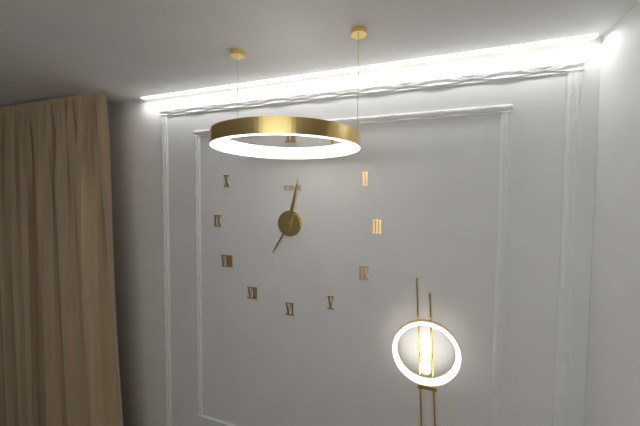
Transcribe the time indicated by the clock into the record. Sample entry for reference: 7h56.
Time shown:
7h02
